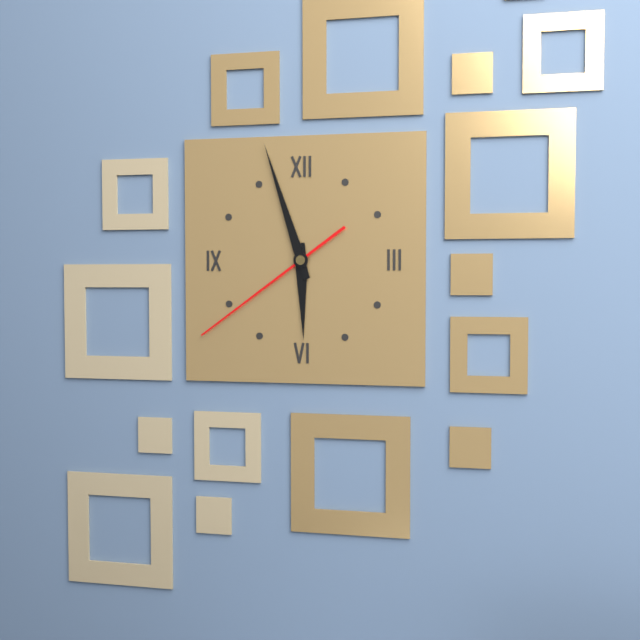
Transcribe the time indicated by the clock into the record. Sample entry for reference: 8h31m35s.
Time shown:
5h57m39s
